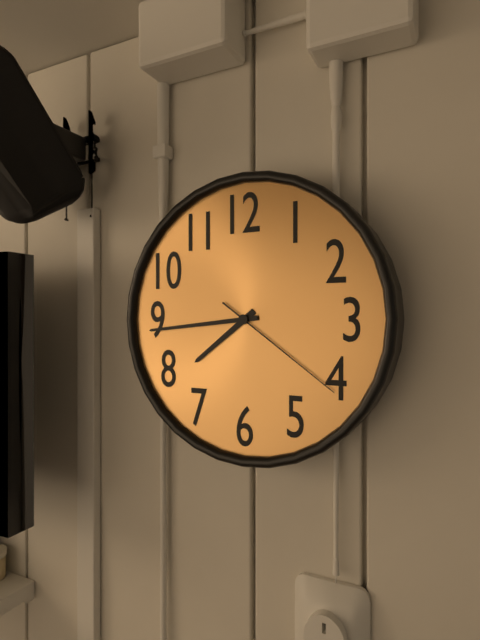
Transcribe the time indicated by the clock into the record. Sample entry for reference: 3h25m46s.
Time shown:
7h44m21s
